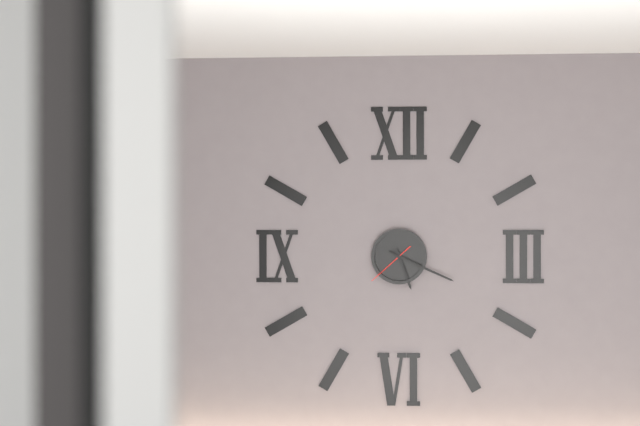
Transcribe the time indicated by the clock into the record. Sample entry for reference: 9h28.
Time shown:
5h19
